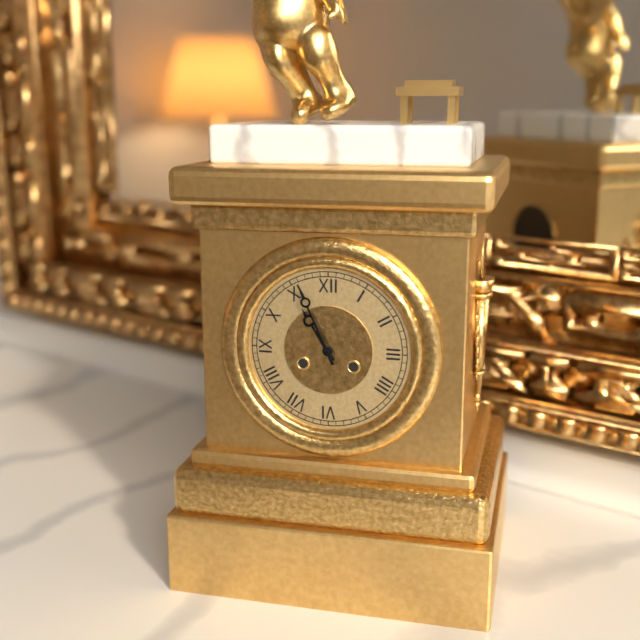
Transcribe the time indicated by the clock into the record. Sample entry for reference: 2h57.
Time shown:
10h56
